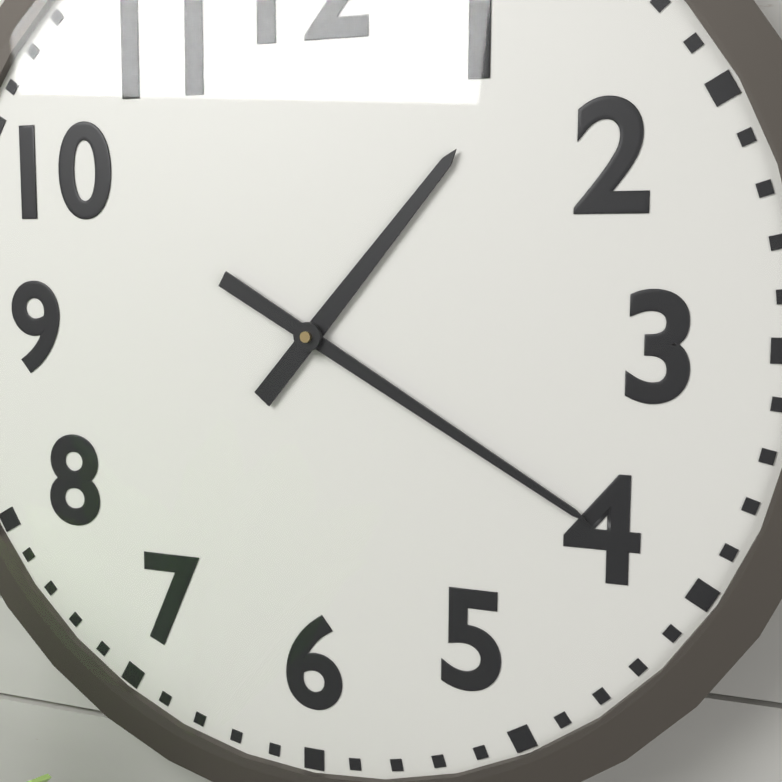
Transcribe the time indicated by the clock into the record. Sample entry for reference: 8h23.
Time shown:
1h20
